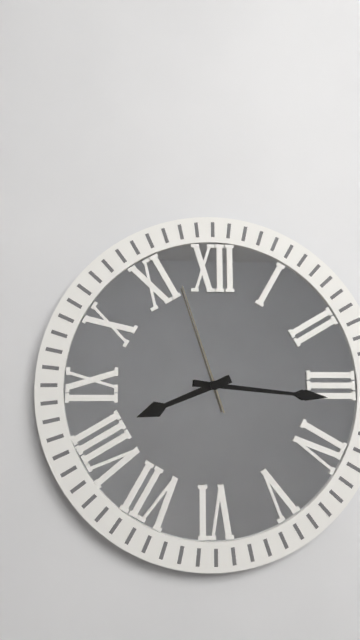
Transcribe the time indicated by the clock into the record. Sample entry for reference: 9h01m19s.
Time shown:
8h16m57s
